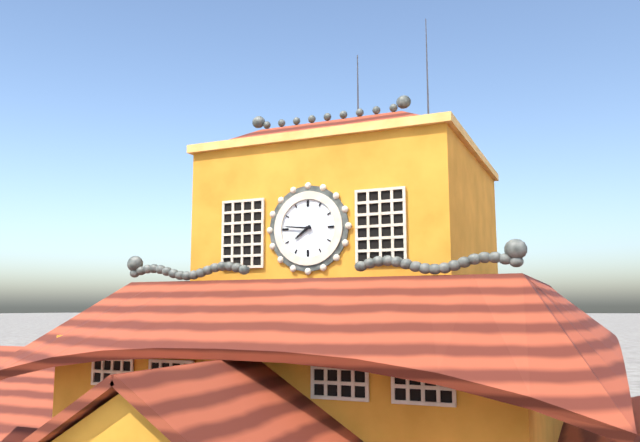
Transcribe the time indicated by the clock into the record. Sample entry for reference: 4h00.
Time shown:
7h46
